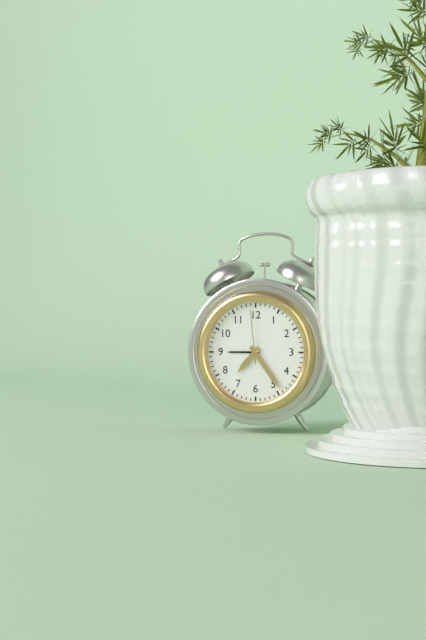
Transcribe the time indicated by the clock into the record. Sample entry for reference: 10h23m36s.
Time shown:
7h24m59s
